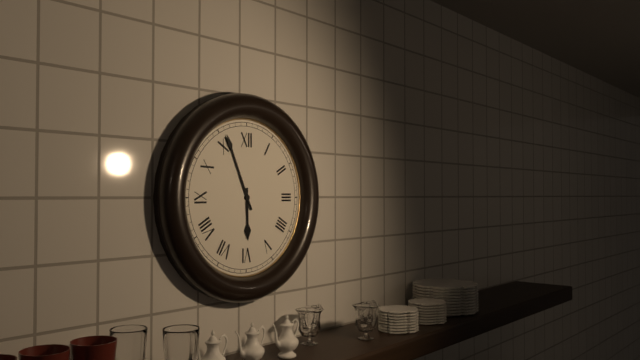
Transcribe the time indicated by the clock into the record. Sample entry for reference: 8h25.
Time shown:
5h56
